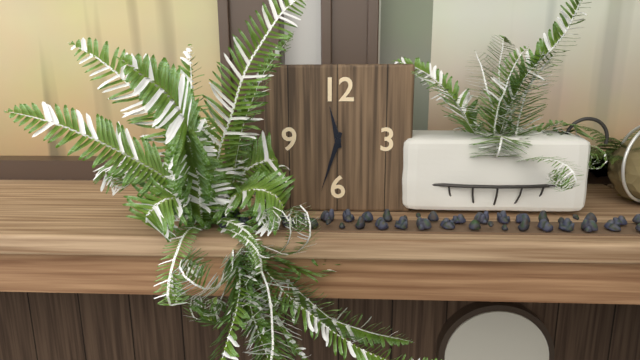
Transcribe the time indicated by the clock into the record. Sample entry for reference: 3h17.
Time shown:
11h33
